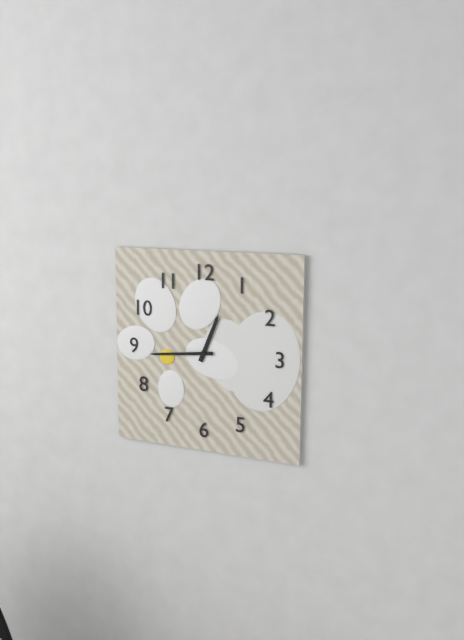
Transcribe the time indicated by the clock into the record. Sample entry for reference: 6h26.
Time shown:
12h44
